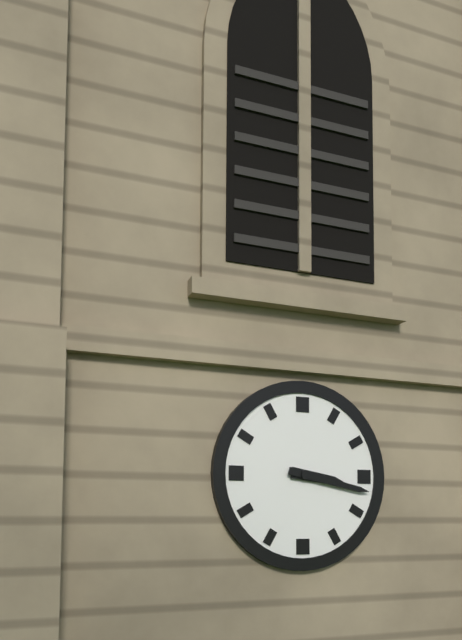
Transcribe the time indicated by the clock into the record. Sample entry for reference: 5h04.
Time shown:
3h17
